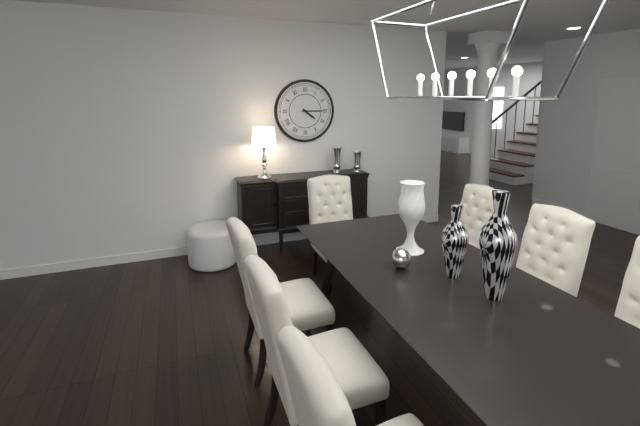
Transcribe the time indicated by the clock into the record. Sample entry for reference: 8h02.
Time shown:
4h15
